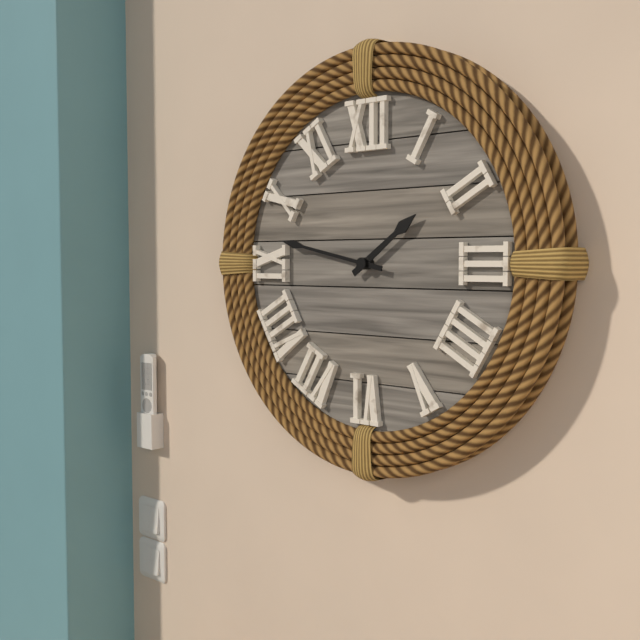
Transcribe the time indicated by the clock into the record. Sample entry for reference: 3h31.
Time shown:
1h47
